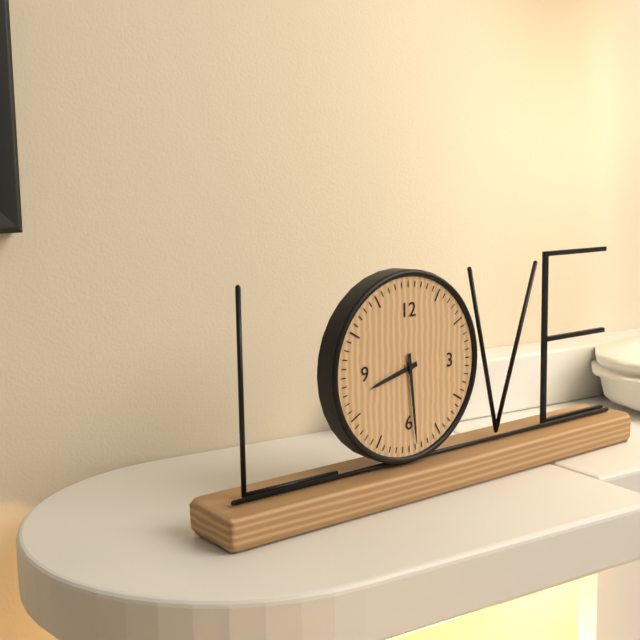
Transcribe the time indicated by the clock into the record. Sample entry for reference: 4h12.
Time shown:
8h29
